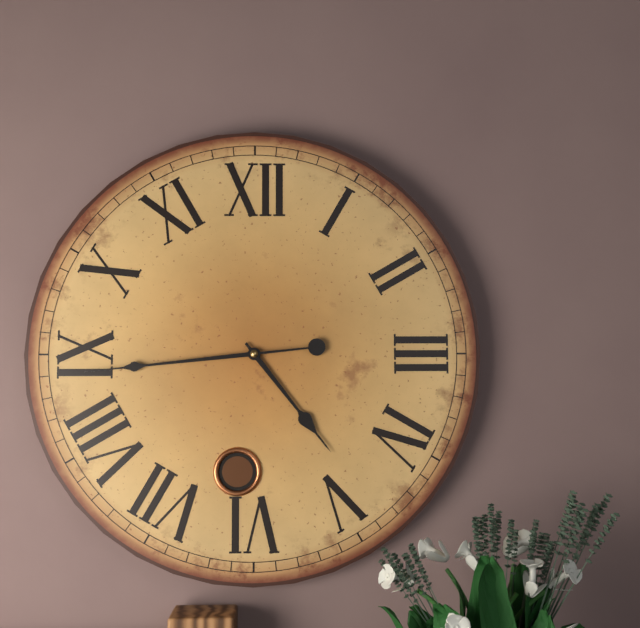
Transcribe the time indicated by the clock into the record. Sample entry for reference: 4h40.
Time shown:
4h44
